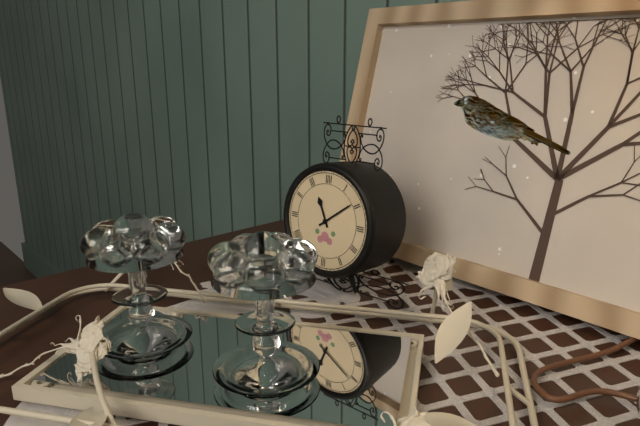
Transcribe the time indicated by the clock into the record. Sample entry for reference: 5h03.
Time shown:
11h09
